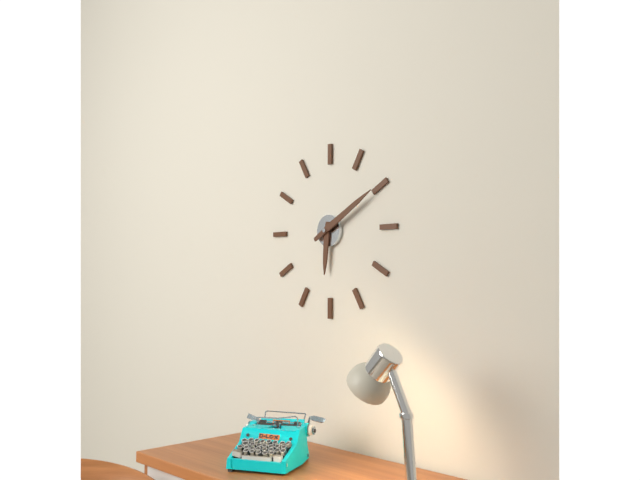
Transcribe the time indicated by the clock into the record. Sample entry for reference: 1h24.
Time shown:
6h10
